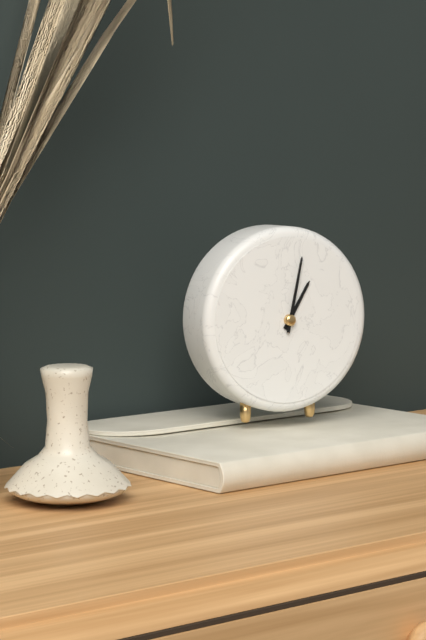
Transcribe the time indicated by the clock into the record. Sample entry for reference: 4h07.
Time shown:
1h02
